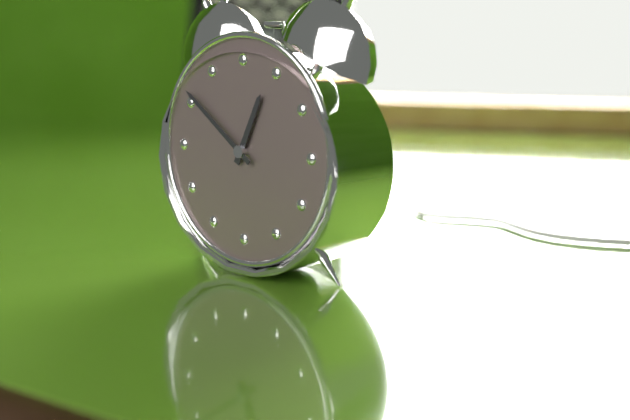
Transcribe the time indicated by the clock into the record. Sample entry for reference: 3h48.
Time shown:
12h51
